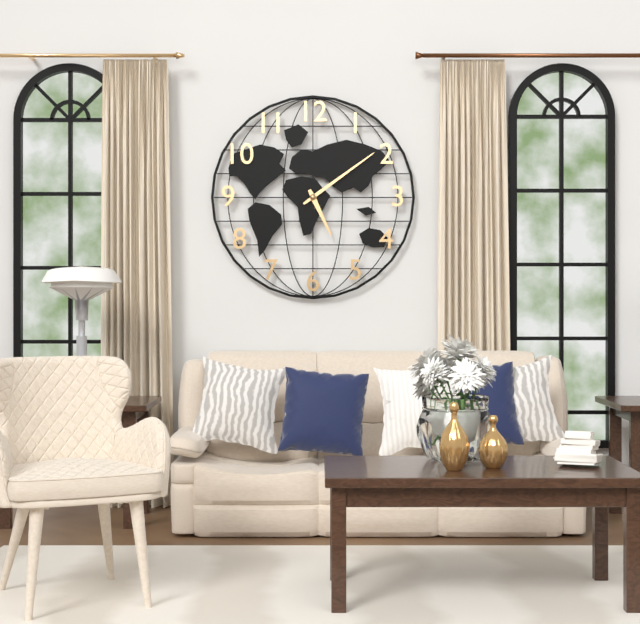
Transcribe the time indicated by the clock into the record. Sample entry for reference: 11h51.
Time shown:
5h09
